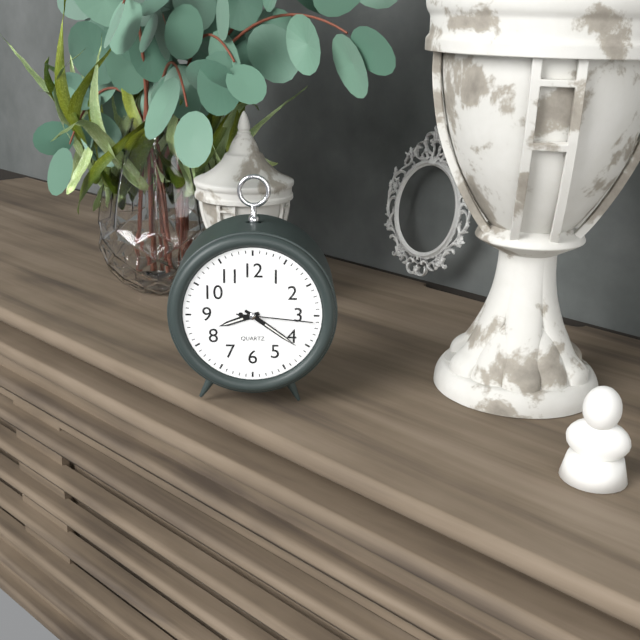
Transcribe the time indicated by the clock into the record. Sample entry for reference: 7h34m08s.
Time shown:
8h21m16s
